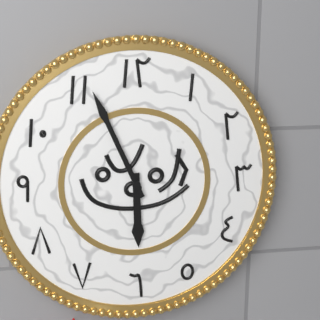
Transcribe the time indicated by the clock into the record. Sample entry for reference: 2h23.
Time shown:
5h56
